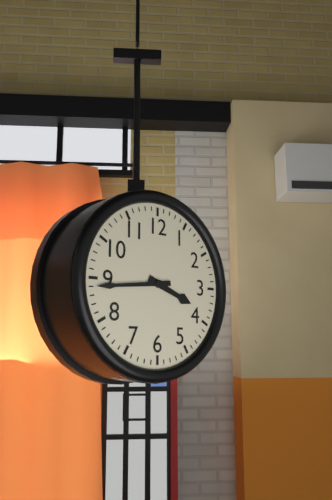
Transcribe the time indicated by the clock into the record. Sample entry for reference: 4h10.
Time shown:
3h44
